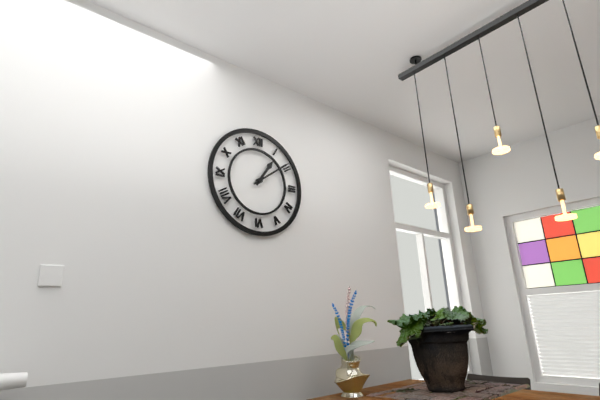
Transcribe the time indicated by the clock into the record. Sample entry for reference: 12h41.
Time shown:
1h09
